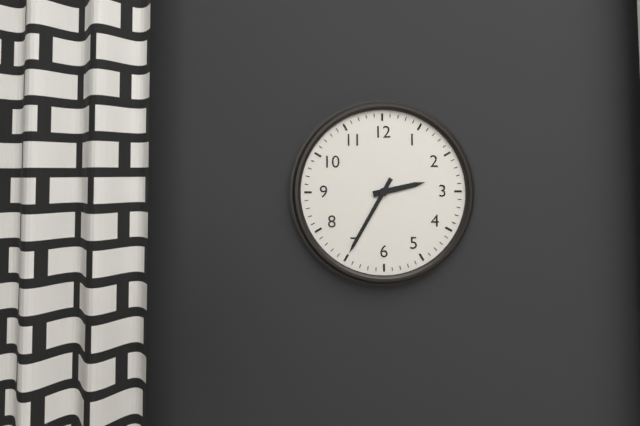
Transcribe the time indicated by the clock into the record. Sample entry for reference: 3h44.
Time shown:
2h35
